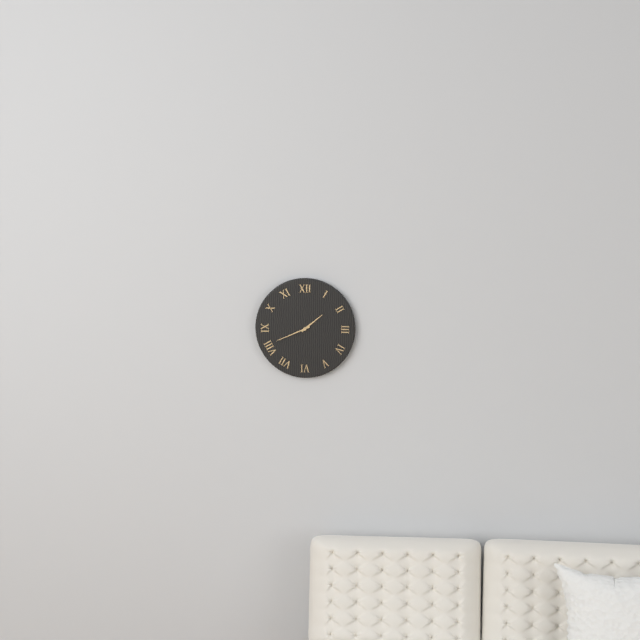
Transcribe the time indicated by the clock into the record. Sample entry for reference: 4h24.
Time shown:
1h41
